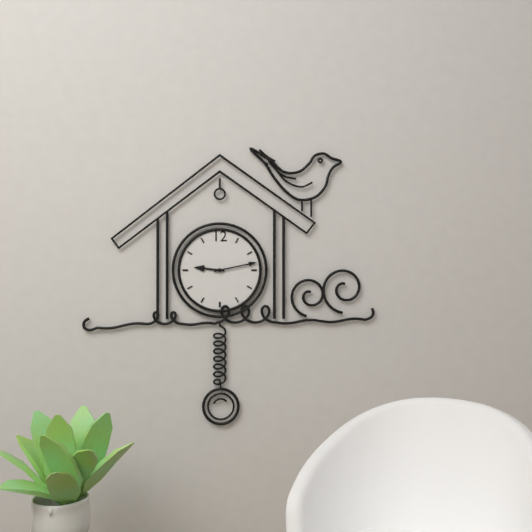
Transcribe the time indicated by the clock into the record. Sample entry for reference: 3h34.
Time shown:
9h13
